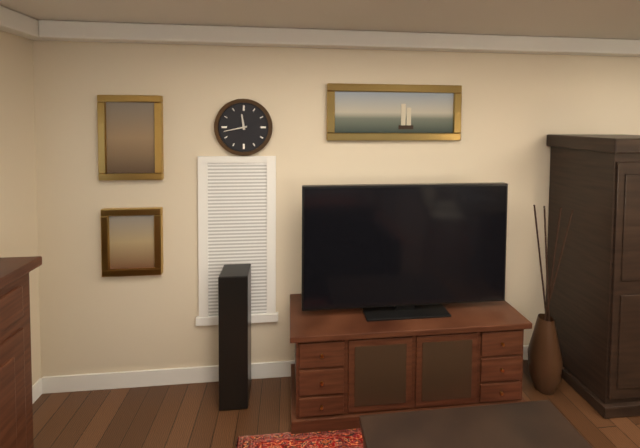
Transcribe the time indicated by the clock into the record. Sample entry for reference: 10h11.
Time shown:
11h43
